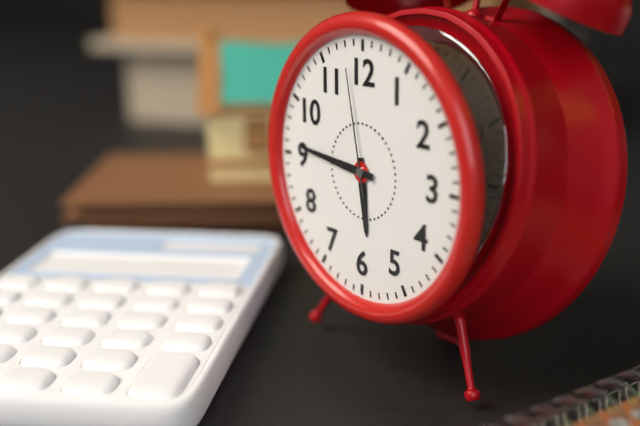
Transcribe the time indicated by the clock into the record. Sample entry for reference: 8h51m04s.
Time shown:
5h46m58s
